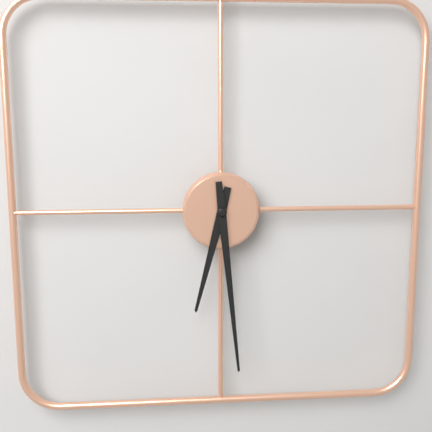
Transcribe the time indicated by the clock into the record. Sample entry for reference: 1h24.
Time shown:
6h29
